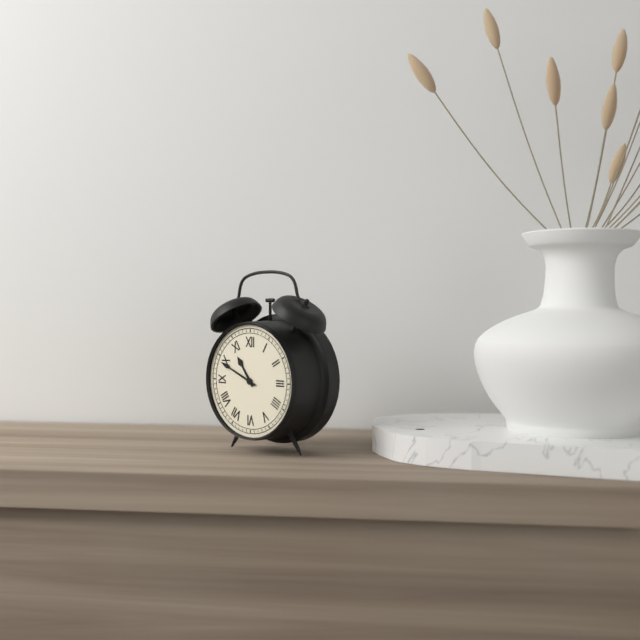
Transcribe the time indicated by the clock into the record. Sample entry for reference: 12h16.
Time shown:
10h49
